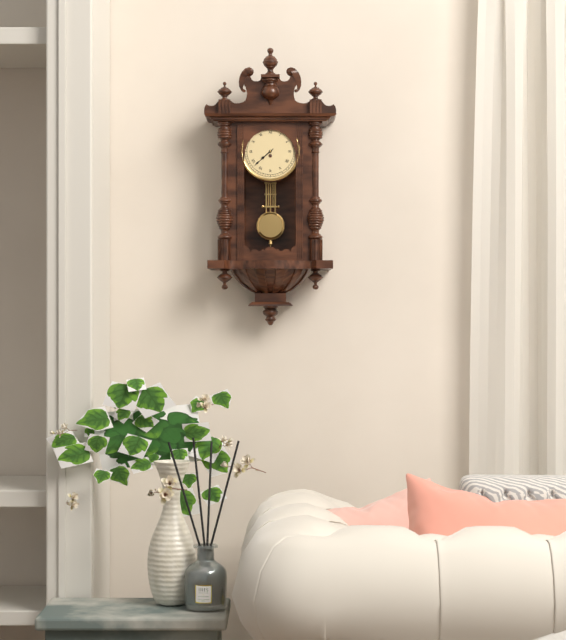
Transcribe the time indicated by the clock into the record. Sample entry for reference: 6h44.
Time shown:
7h38
